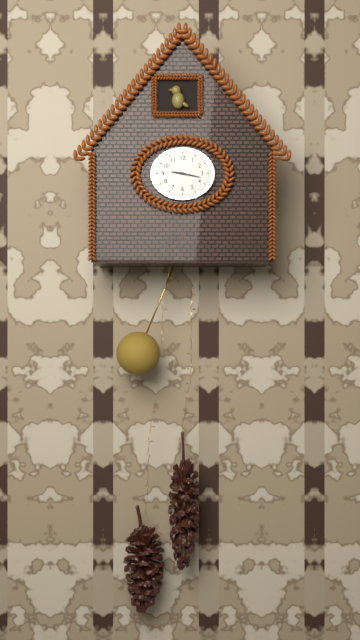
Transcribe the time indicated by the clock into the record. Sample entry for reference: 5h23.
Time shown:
9h17
